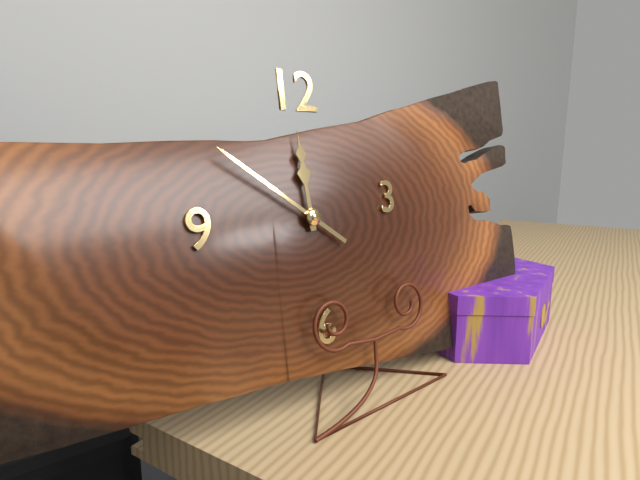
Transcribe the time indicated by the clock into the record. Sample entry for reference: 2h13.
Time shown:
11h51
